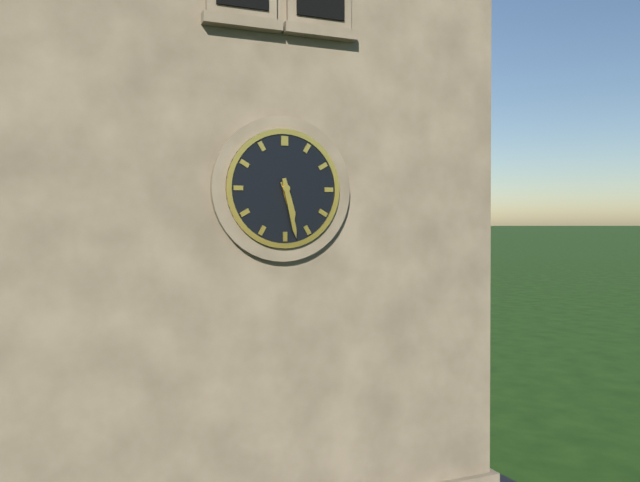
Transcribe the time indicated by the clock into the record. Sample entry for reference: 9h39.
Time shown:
5h28
